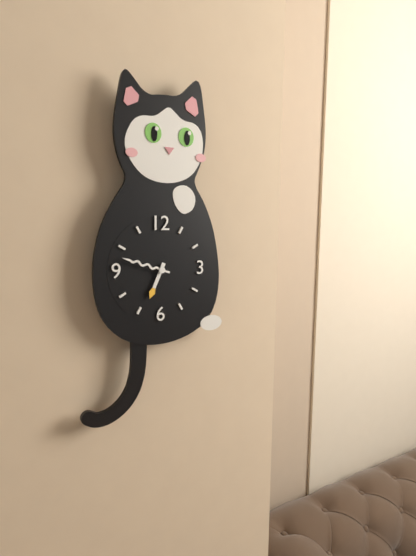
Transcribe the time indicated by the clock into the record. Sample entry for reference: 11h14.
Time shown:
6h48
